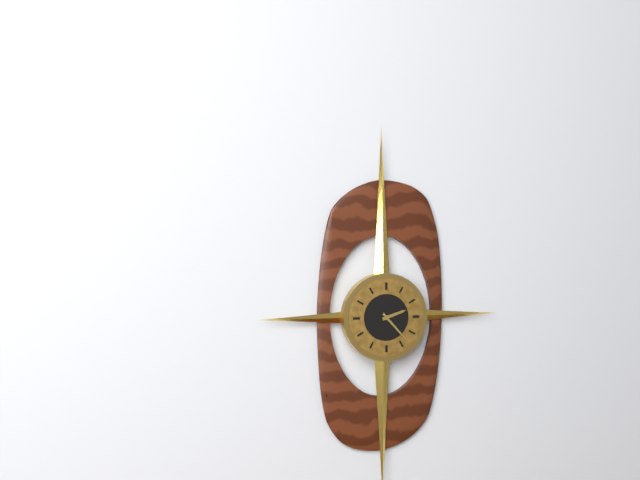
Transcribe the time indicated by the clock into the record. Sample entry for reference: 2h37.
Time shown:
2h23
